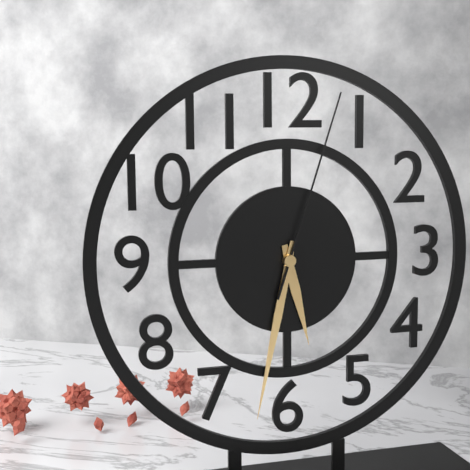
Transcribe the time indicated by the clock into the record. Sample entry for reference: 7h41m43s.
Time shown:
5h32m03s
